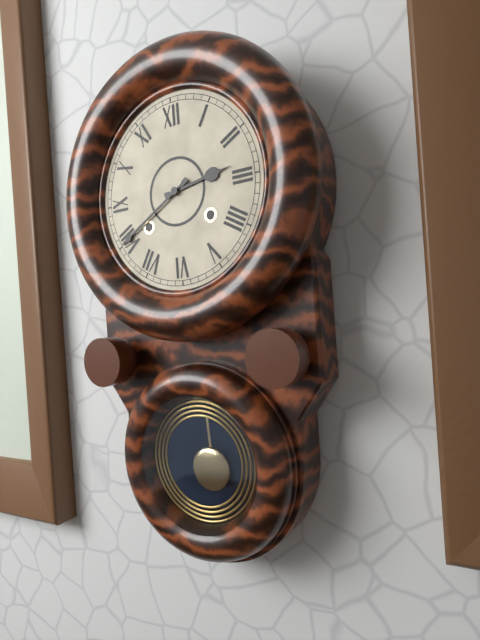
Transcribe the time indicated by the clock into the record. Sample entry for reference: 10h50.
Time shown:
2h40
